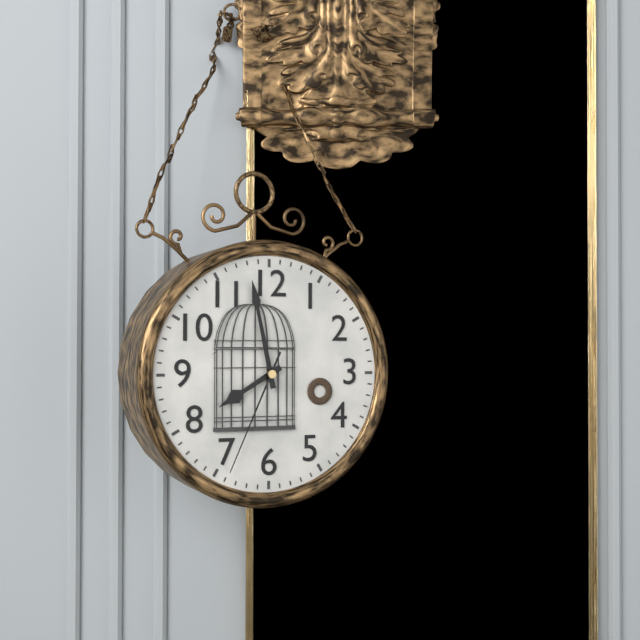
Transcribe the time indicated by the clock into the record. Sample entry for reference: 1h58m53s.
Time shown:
7h58m34s
